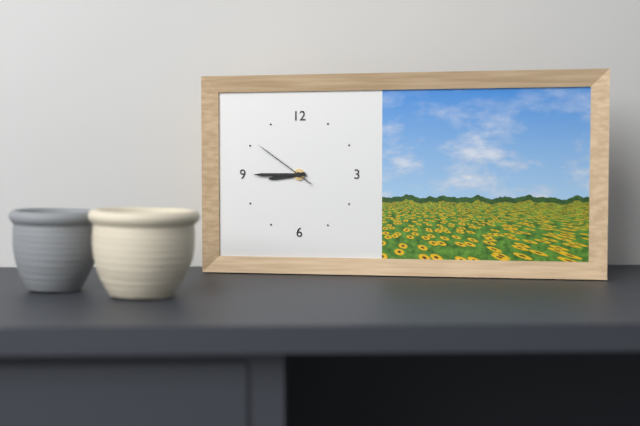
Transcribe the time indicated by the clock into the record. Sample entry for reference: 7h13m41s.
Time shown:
8h45m51s
